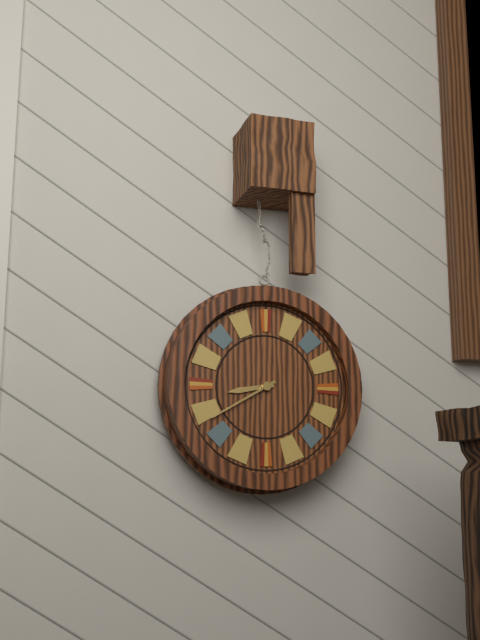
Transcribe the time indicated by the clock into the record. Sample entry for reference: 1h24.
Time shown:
8h40
